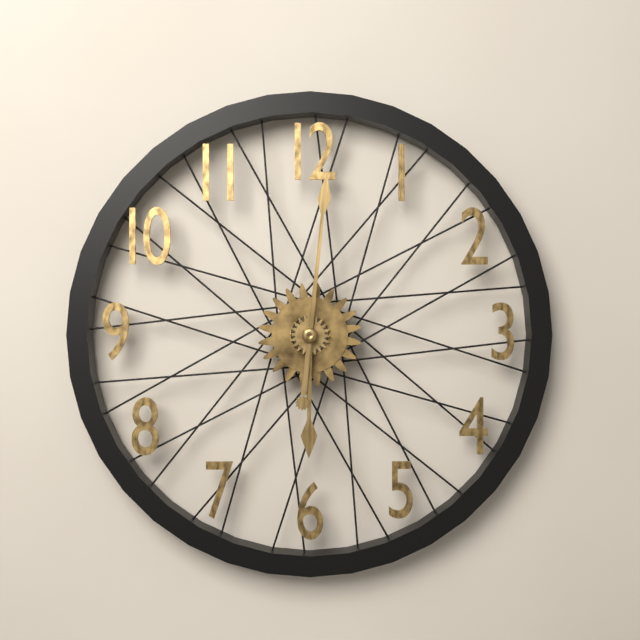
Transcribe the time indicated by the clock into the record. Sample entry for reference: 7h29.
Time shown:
6h01
